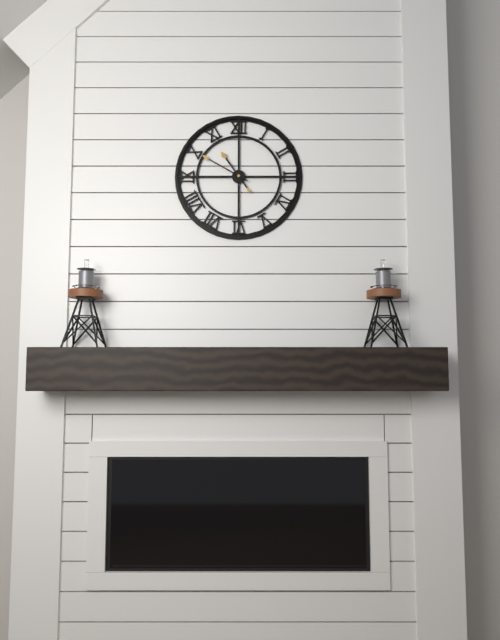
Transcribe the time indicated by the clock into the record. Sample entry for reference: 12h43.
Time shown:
10h50
